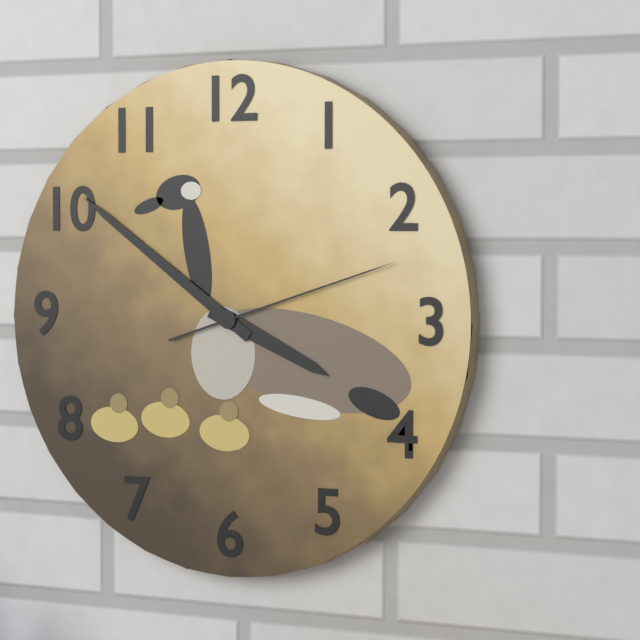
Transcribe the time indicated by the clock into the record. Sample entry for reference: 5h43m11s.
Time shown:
3h51m12s
